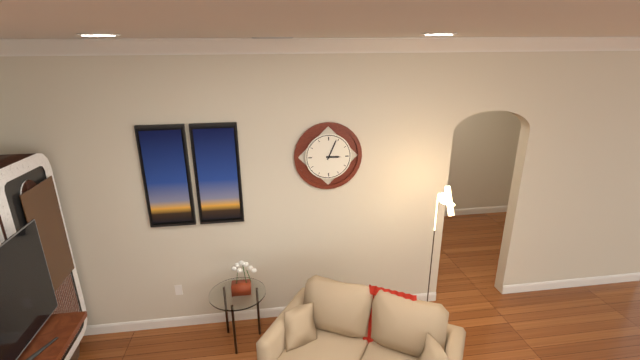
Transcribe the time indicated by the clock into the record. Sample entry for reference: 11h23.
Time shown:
3h04
